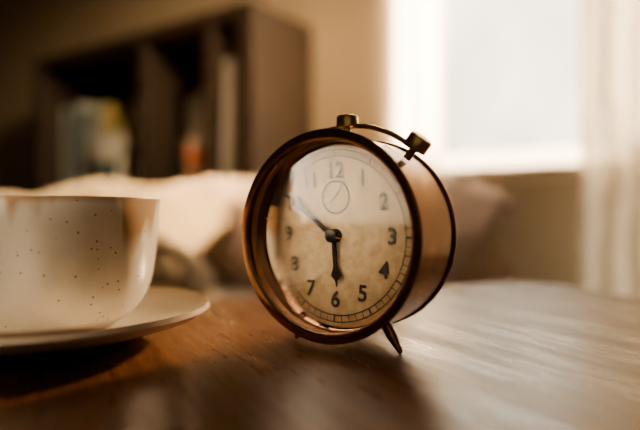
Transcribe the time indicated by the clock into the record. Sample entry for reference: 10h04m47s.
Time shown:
5h51m47s
